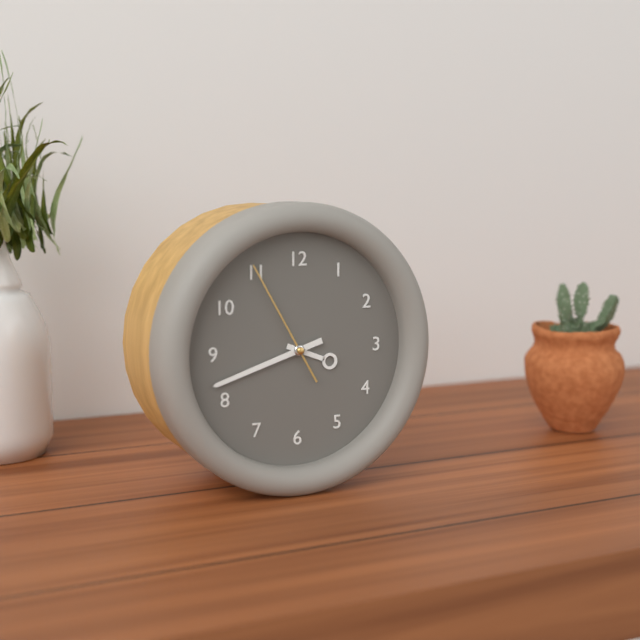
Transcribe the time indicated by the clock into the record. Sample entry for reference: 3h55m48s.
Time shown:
3h42m55s
